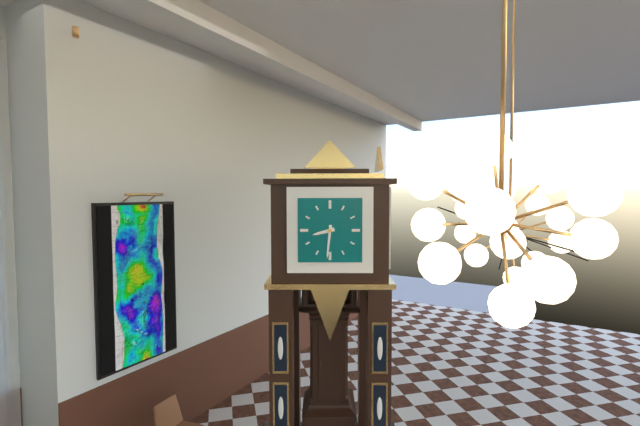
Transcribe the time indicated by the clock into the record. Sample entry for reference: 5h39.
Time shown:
8h31
